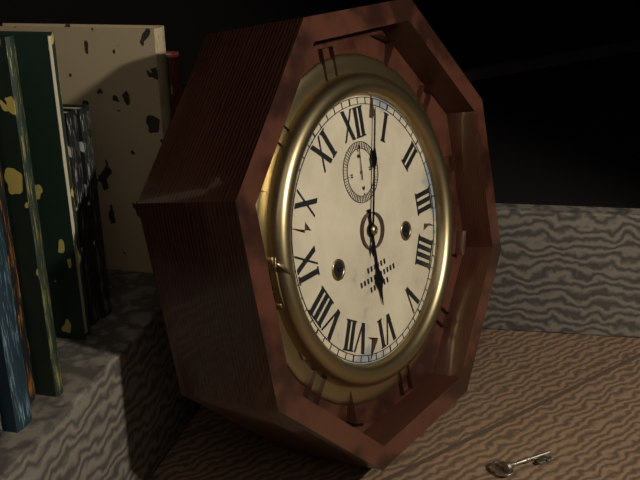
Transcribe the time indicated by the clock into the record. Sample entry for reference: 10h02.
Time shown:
6h03
